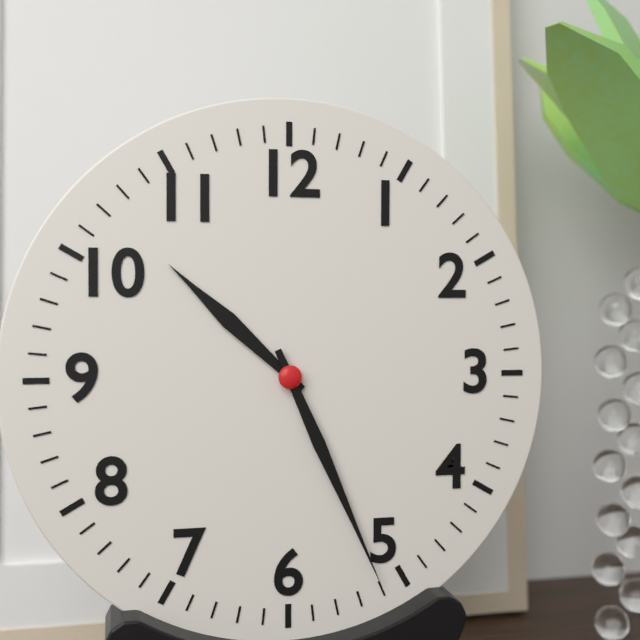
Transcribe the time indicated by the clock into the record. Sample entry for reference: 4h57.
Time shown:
10h26
